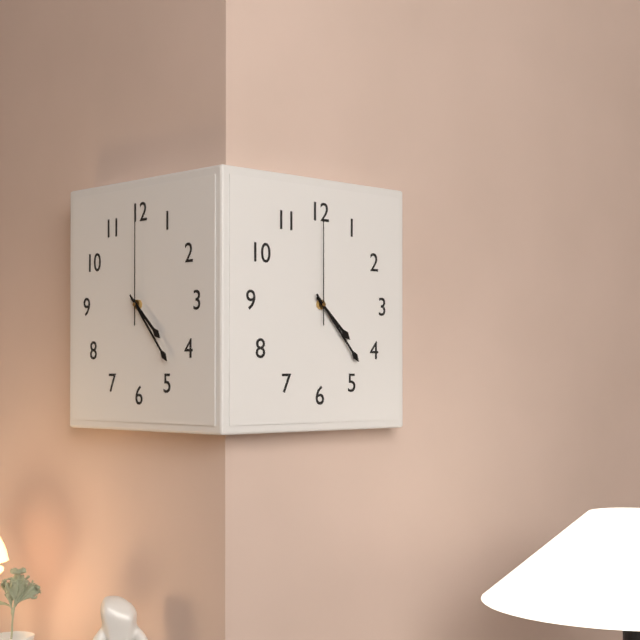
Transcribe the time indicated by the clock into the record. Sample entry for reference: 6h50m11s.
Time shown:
4h23m00s
